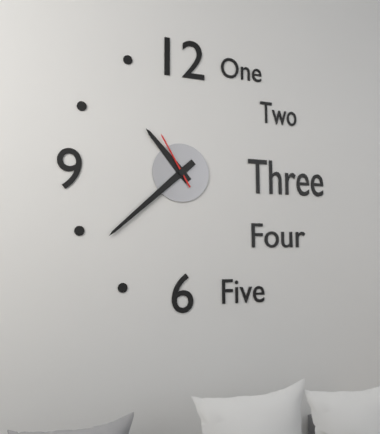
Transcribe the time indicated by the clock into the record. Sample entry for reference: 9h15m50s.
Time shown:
10h38m55s
